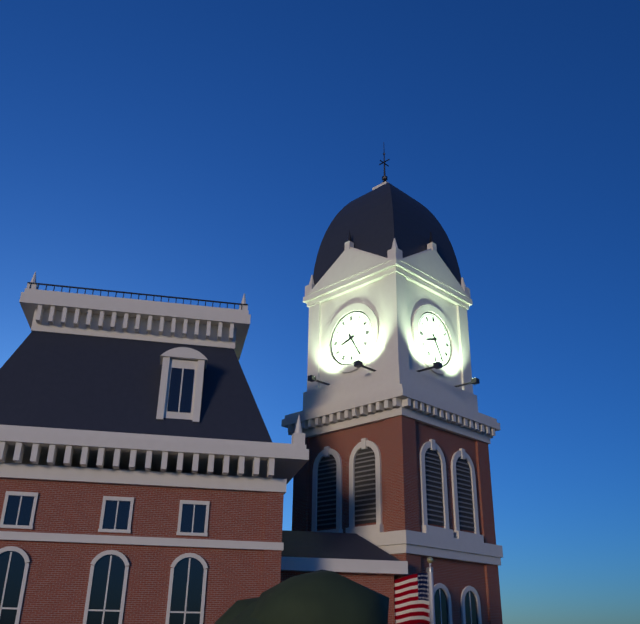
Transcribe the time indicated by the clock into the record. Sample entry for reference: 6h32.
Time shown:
8h25
